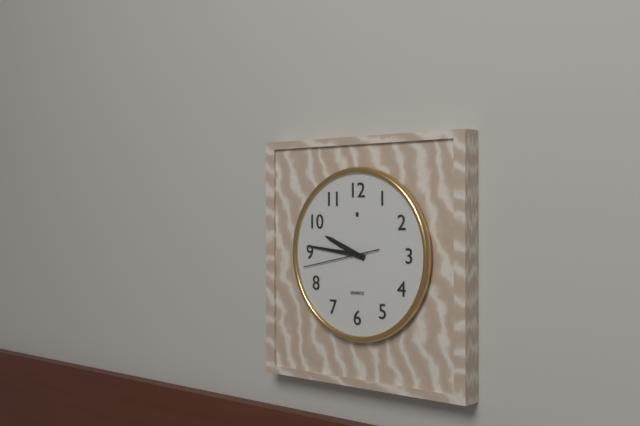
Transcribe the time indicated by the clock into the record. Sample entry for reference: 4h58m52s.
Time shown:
9h46m43s
